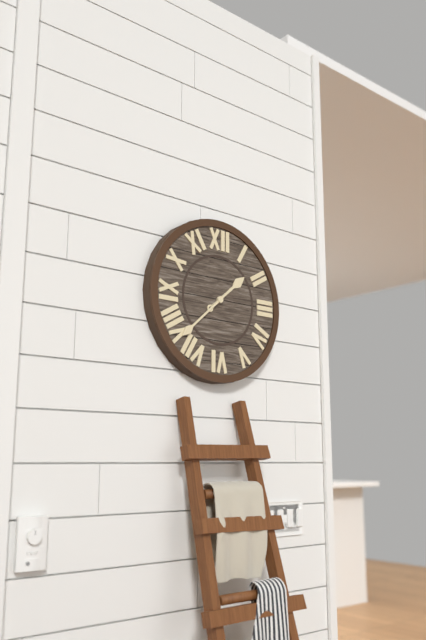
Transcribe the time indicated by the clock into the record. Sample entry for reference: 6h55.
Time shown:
1h38
